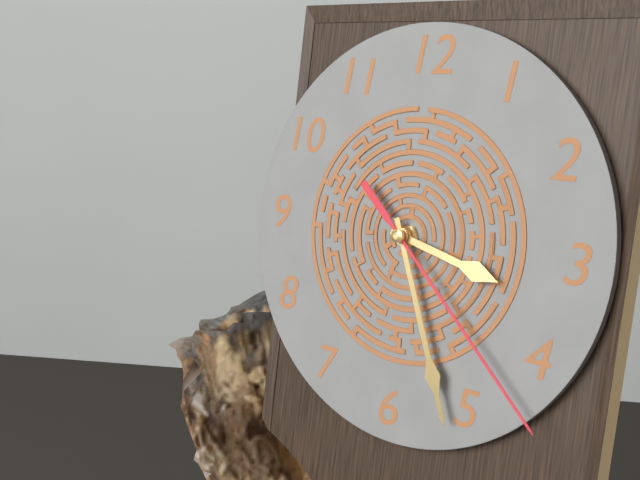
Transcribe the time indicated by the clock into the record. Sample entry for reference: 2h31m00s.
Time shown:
3h26m22s
